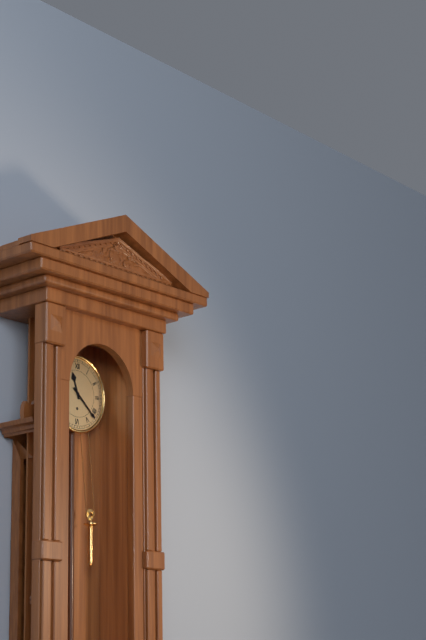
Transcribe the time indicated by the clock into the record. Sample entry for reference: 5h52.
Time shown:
11h22
